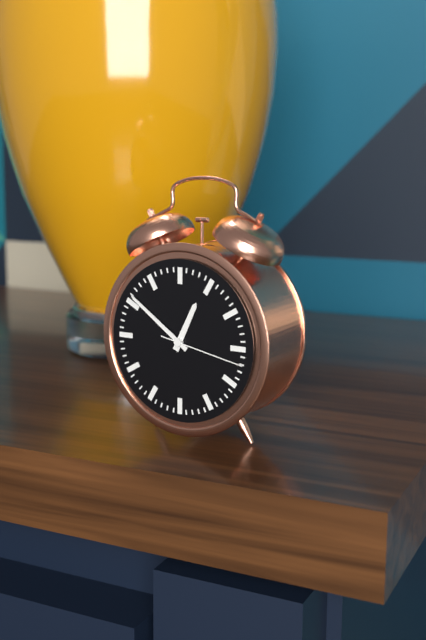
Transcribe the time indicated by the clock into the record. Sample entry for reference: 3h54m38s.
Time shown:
12h51m17s
